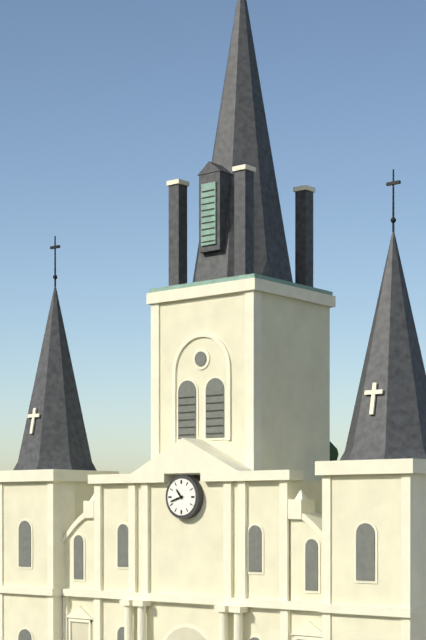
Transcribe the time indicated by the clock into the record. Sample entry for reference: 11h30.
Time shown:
10h42
